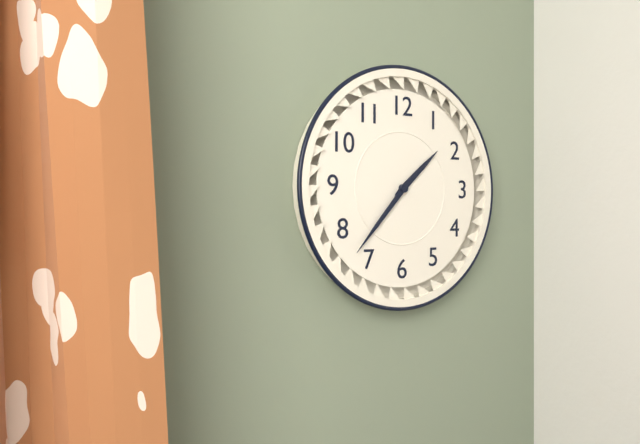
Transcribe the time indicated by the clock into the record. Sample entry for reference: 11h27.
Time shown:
1h37
